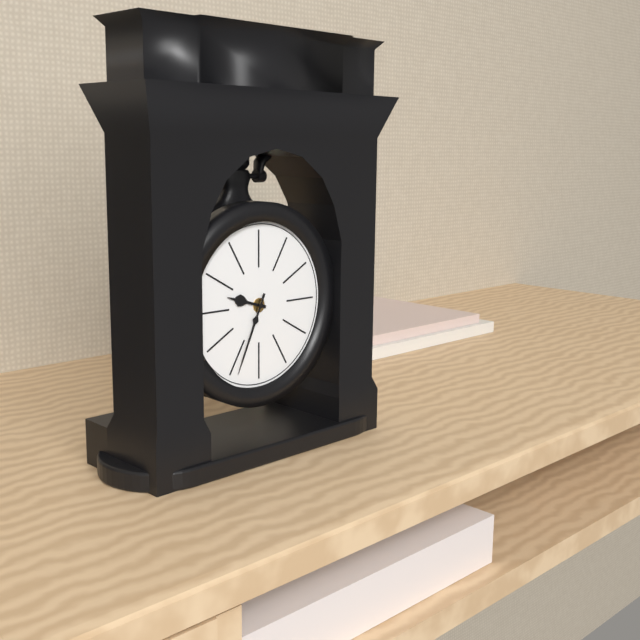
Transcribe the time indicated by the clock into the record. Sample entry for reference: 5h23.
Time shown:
9h34
